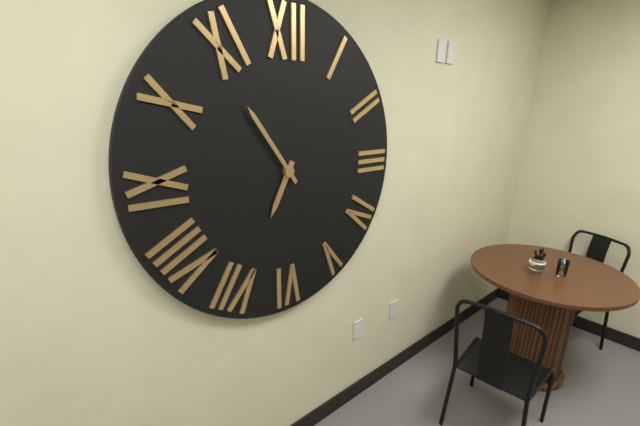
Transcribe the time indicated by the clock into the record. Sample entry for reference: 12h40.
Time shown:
6h54
